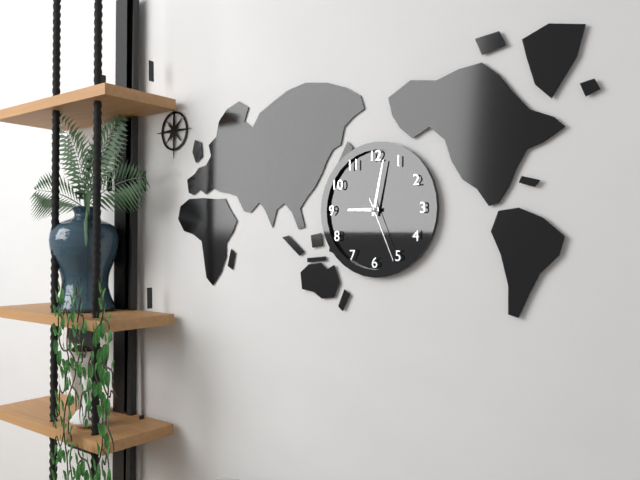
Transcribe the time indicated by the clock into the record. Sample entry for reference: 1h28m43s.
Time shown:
9h02m26s
